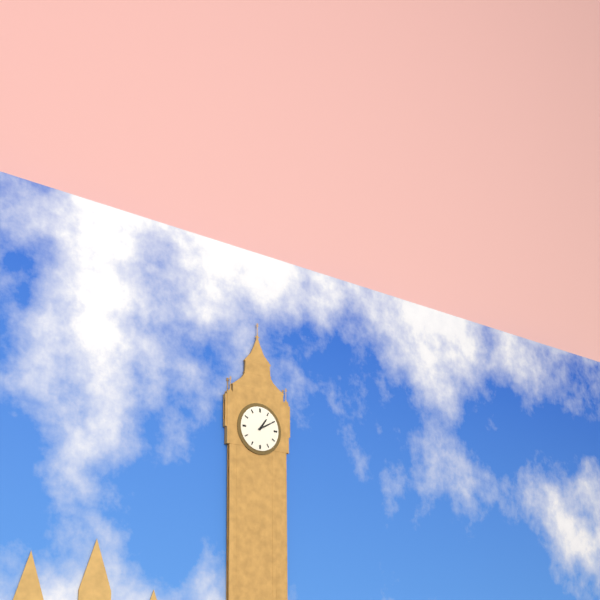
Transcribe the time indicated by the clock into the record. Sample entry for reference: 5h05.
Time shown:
1h10
